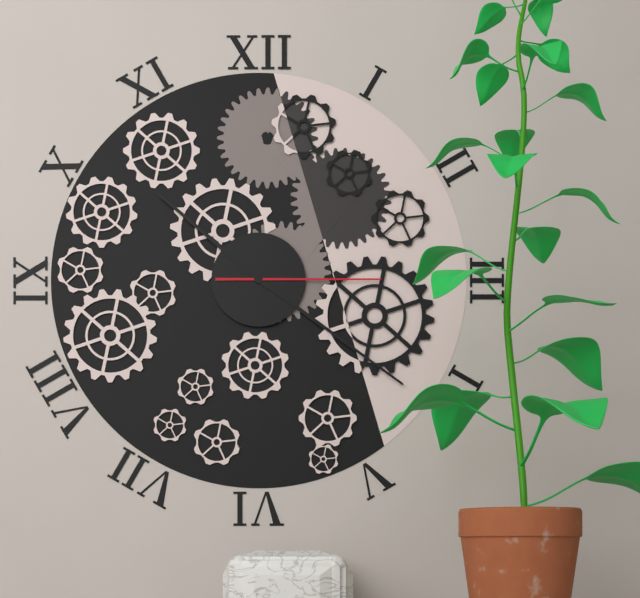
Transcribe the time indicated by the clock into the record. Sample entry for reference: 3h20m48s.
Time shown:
10h21m15s
